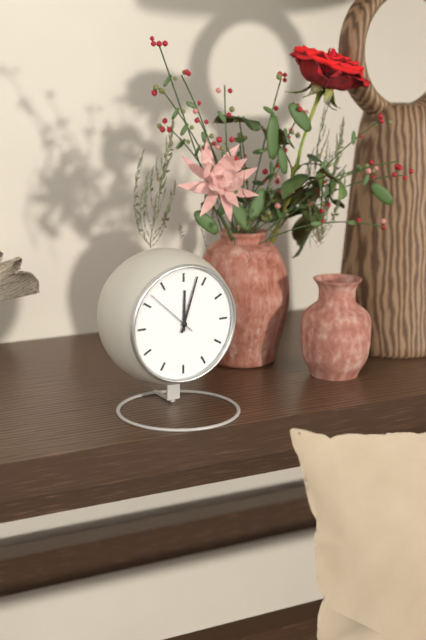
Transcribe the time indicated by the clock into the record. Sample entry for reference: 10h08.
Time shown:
12h03
